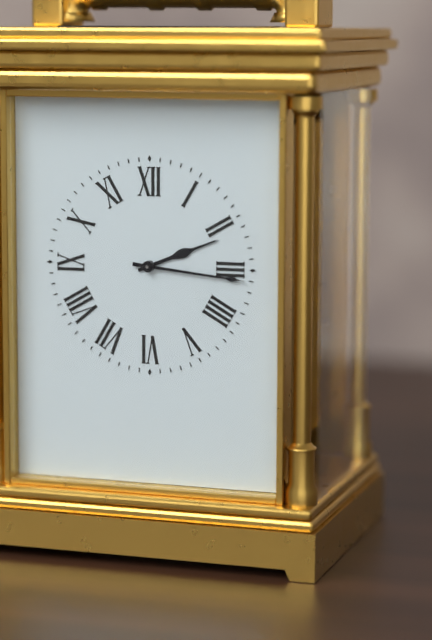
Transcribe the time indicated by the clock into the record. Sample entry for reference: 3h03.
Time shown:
2h16
